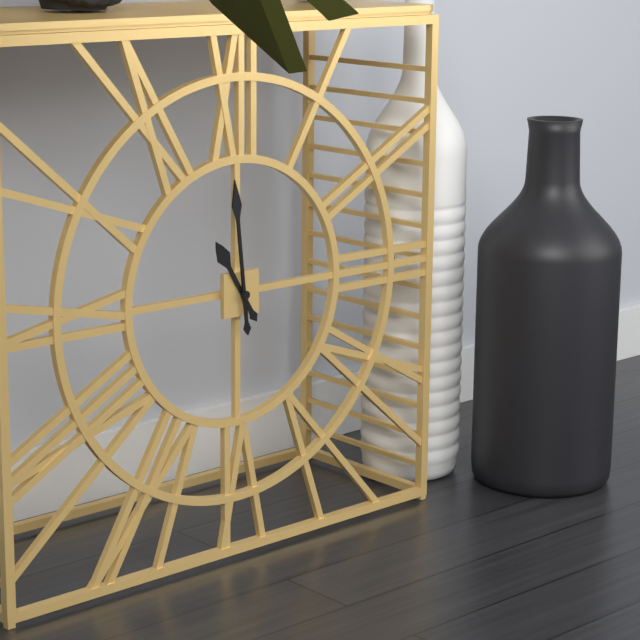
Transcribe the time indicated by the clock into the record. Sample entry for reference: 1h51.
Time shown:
10h59
